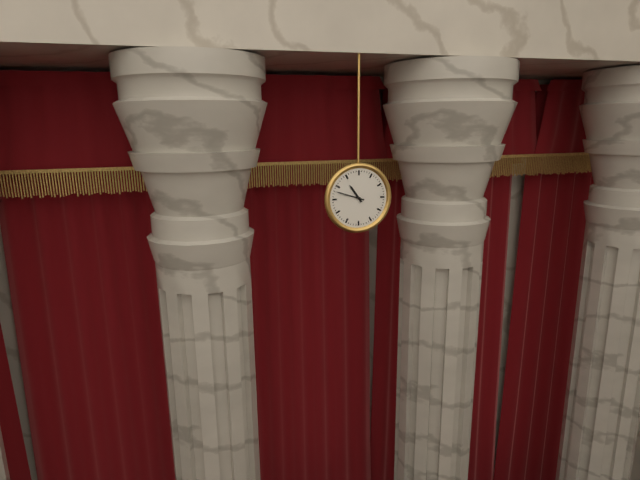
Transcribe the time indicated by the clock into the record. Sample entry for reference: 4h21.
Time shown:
10h48
